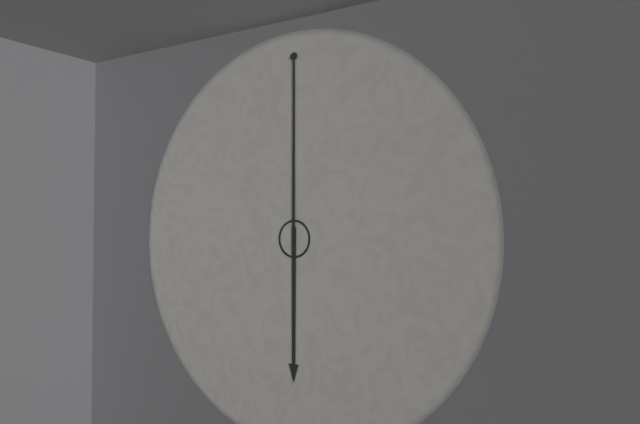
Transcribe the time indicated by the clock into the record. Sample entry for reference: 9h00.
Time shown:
6h00
